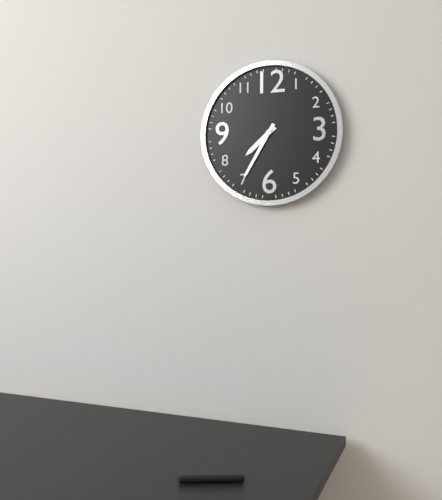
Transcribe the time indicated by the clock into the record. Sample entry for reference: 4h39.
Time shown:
7h35
